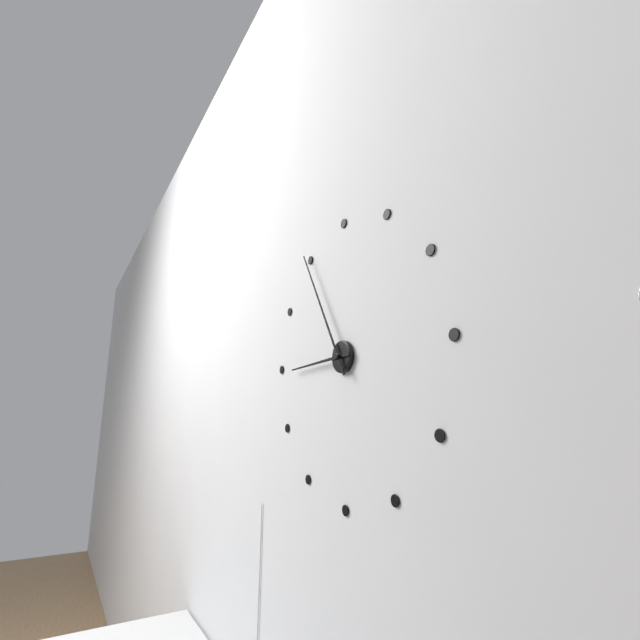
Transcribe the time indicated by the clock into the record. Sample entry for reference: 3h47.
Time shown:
8h55
